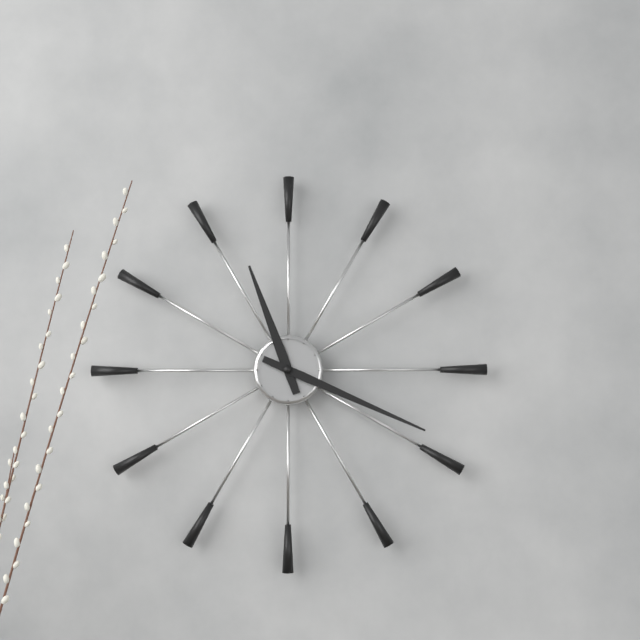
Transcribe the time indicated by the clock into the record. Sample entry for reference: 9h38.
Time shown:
11h19
